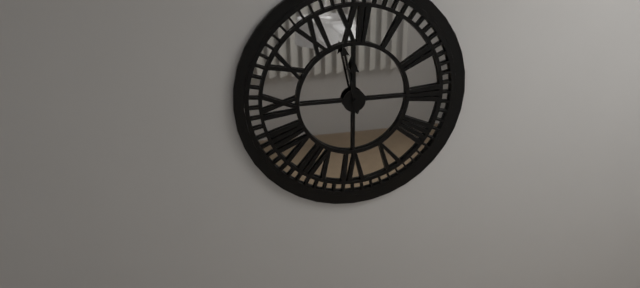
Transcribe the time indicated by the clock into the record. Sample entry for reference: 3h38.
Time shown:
11h58
